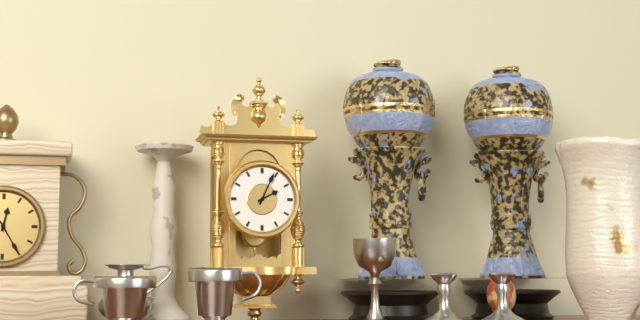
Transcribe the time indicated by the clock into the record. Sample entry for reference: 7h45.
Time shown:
2h04
